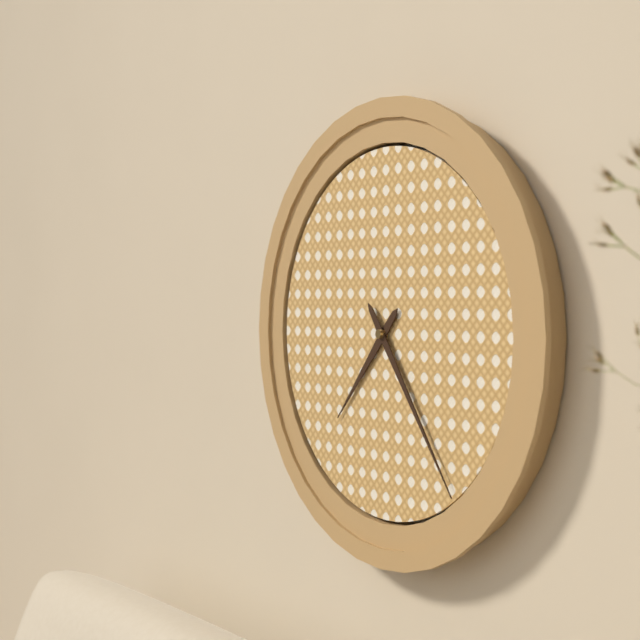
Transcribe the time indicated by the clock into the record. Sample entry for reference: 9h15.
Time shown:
7h24
